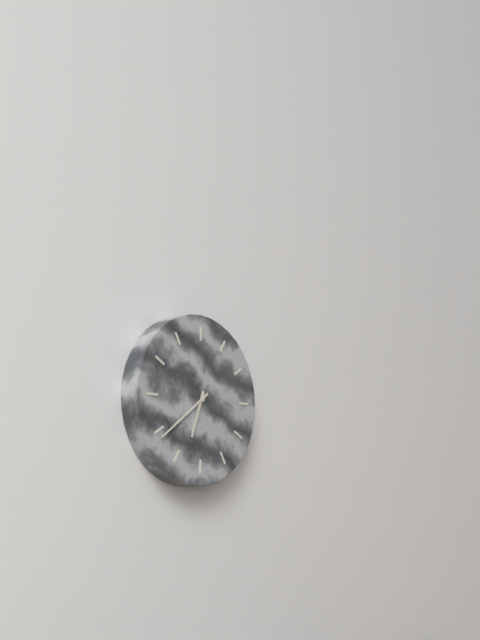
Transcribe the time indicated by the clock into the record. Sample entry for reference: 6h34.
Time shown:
6h39
